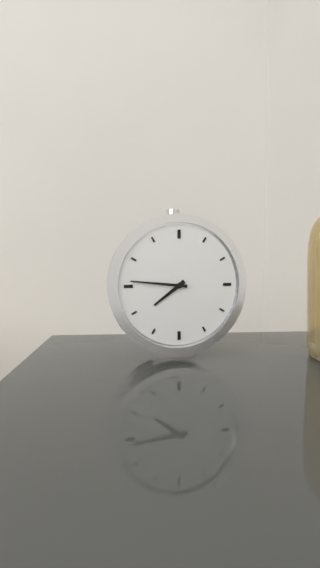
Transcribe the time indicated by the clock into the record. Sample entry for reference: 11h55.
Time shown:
7h46
